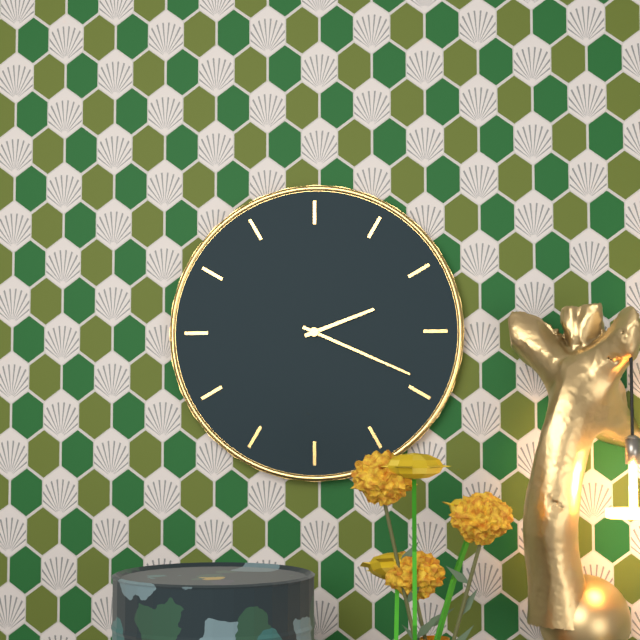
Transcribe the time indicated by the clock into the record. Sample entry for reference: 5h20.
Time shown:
2h19
